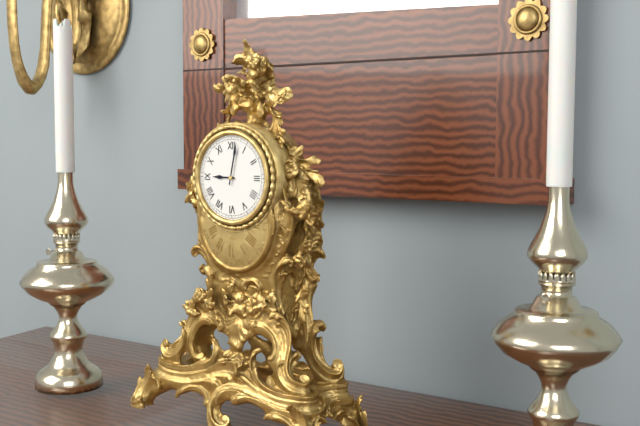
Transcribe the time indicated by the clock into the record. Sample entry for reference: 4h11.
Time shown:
9h02
